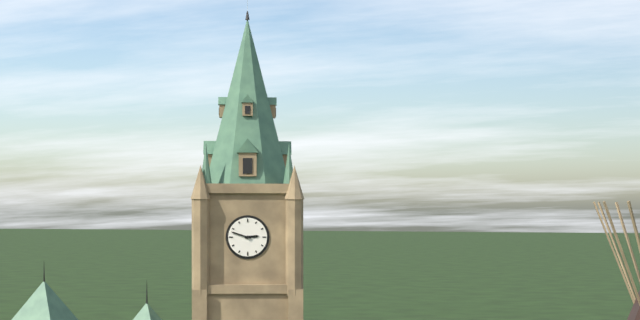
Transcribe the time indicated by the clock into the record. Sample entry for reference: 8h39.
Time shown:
2h48
